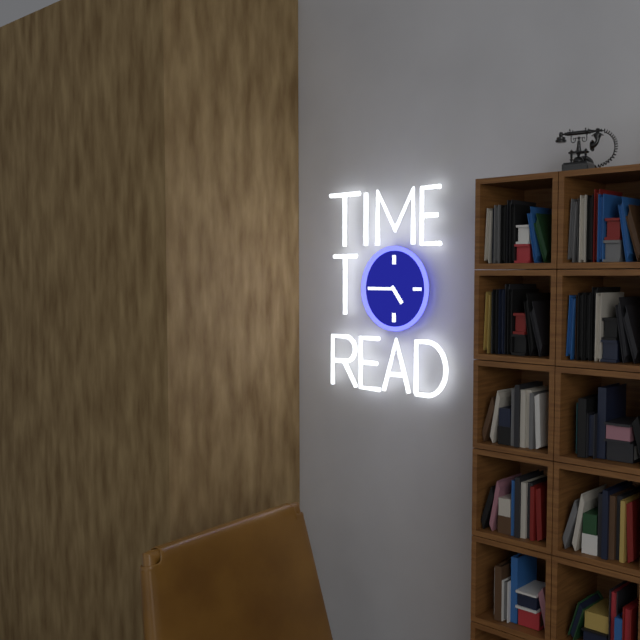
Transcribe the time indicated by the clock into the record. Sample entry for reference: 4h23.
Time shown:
4h45
